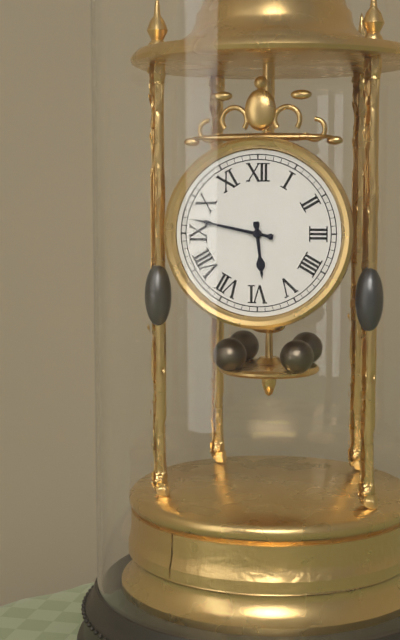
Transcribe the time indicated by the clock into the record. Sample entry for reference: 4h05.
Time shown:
5h47
